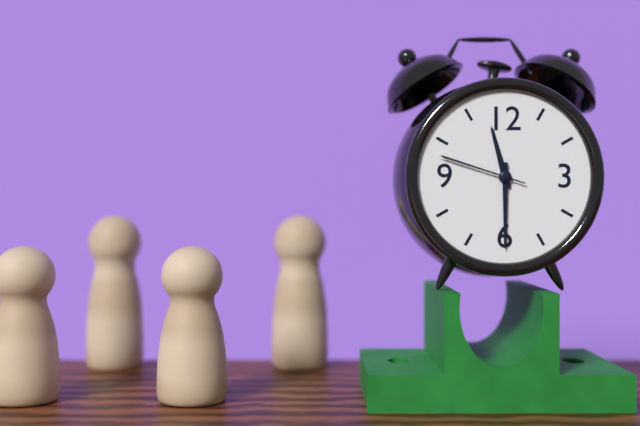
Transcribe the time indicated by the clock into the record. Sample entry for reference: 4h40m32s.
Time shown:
11h30m48s
